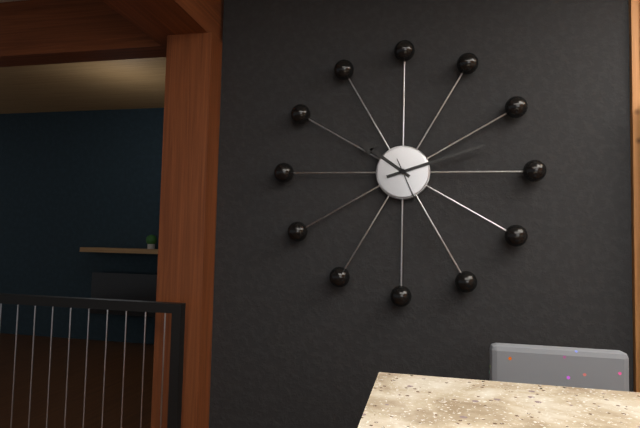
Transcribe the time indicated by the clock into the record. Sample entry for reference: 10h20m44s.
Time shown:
10h12m26s
